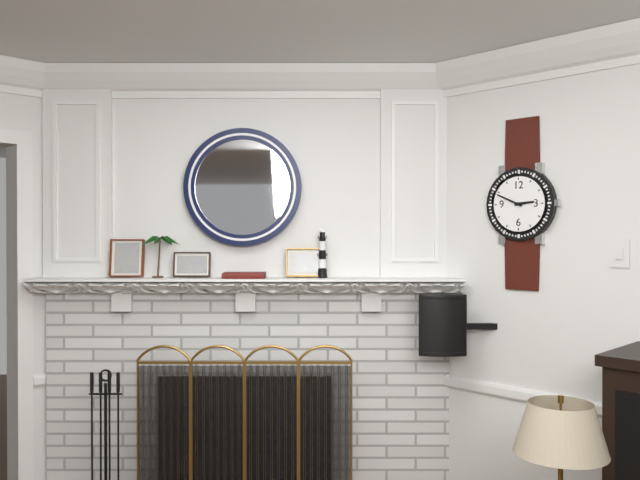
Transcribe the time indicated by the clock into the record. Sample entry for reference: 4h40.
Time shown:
2h49
